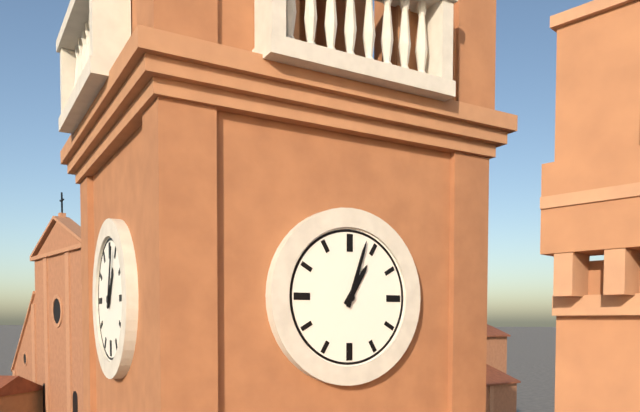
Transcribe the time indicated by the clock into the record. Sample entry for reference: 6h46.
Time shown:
1h03
